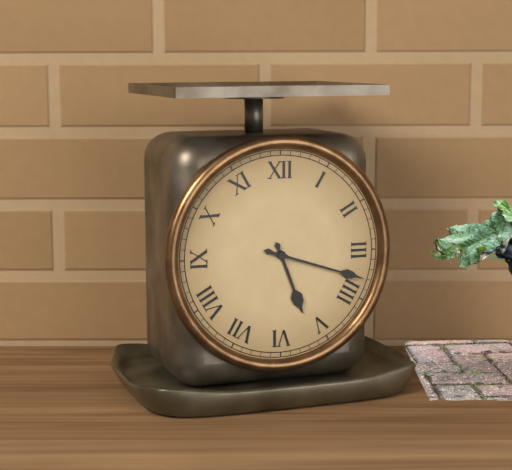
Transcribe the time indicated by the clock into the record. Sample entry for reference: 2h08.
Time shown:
5h18
